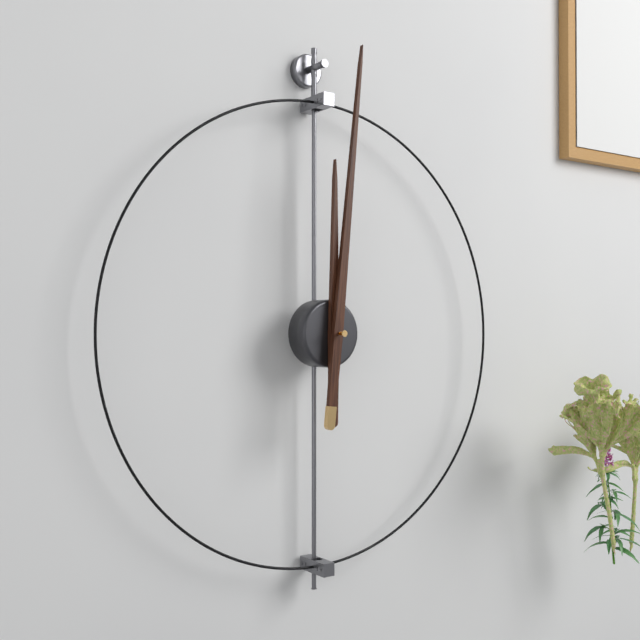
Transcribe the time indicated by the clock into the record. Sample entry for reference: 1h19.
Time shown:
12h01
